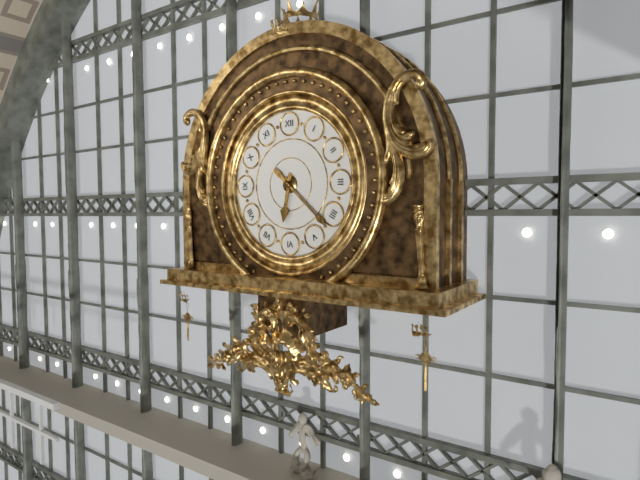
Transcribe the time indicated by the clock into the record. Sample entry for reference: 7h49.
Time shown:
6h22
